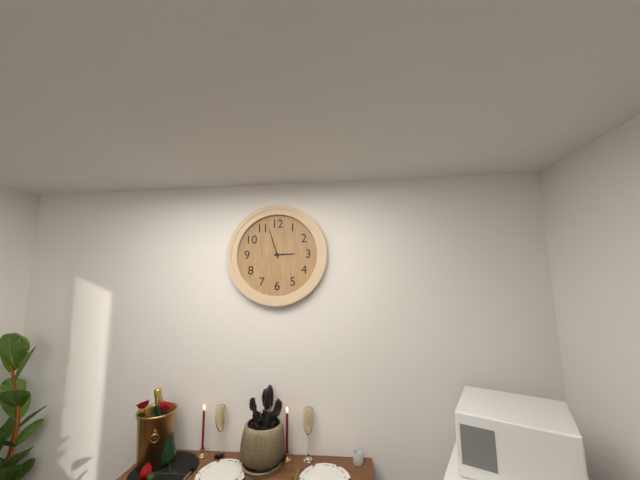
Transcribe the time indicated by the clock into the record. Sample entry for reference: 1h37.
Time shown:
2h57
